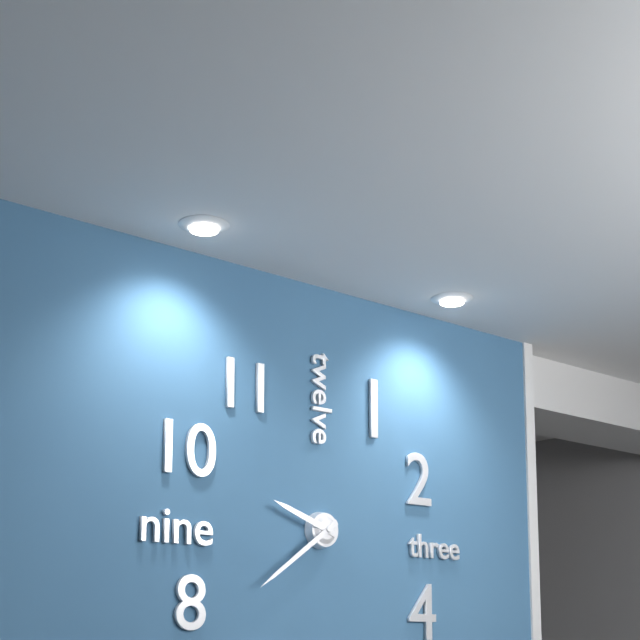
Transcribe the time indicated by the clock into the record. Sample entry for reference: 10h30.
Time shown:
9h39
